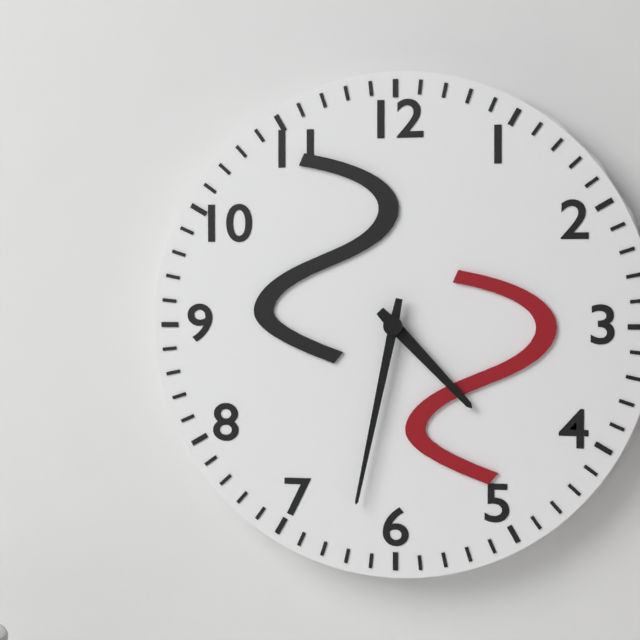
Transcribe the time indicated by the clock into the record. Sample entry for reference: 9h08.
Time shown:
4h32
